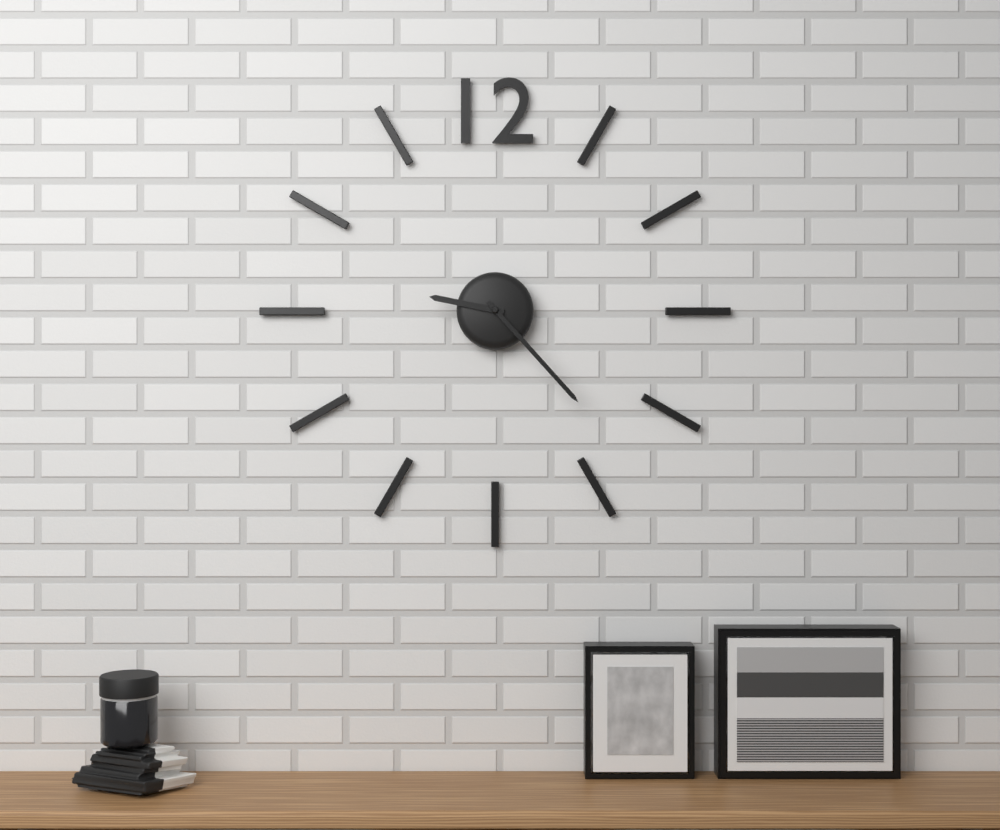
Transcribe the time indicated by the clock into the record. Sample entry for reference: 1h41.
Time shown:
9h23
